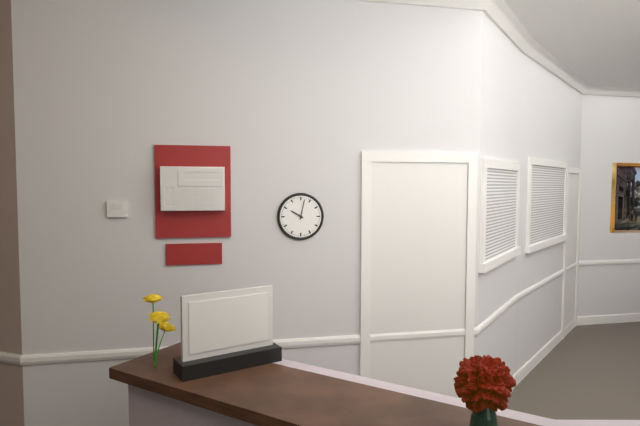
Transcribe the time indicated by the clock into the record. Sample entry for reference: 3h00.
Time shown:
10h02
